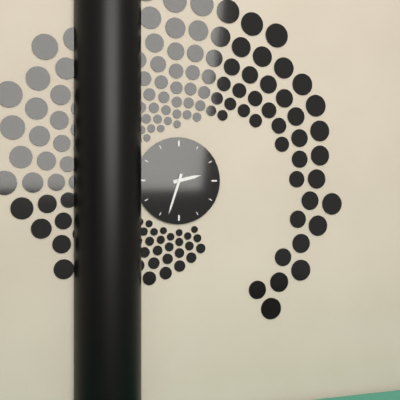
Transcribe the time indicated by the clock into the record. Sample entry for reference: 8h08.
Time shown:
2h33
